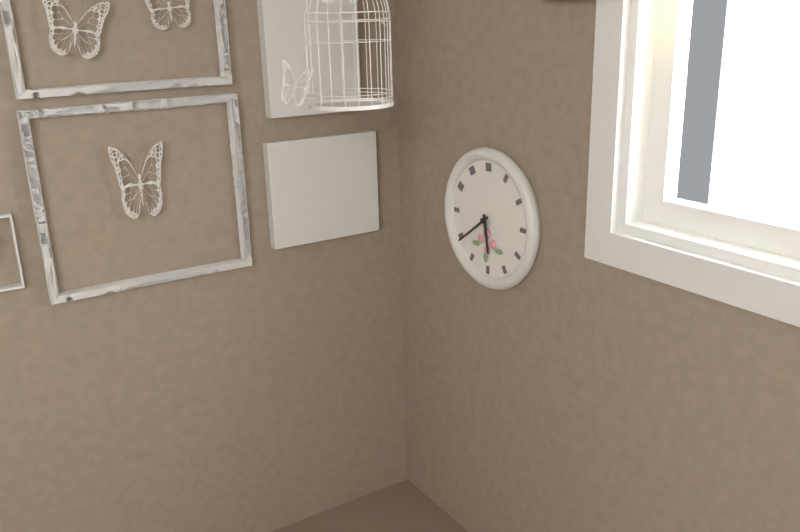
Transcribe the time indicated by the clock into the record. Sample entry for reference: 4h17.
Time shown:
5h39
